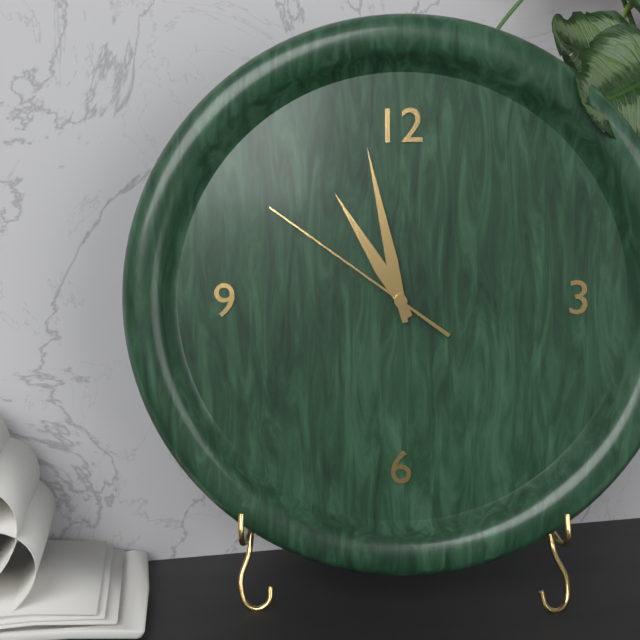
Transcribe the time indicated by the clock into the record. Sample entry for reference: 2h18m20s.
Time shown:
10h58m51s
